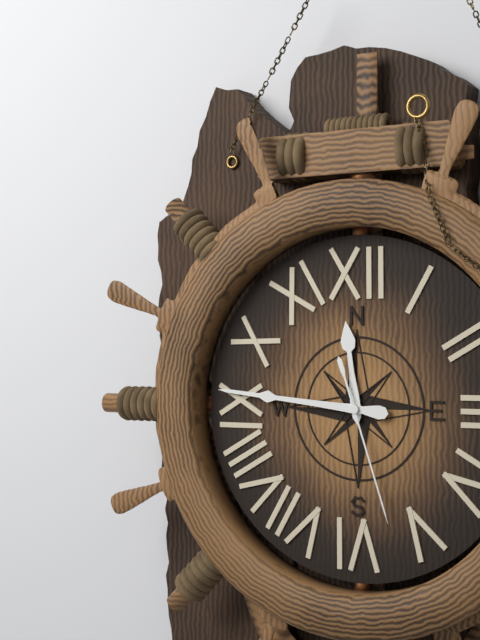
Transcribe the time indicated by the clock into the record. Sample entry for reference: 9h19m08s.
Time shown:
11h46m27s
